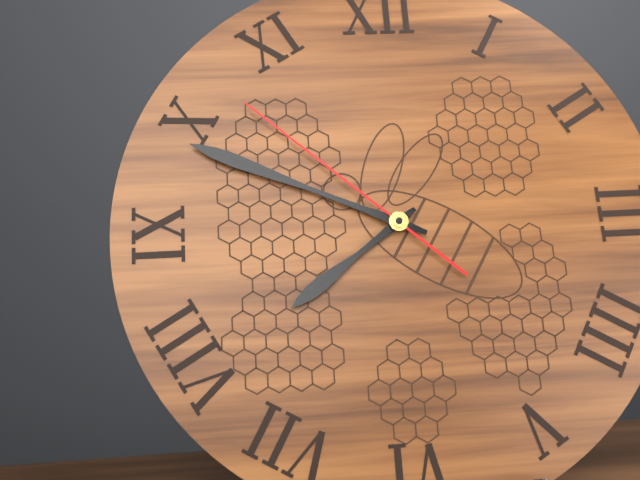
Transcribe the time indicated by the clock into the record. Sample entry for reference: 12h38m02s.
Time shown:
7h49m52s
